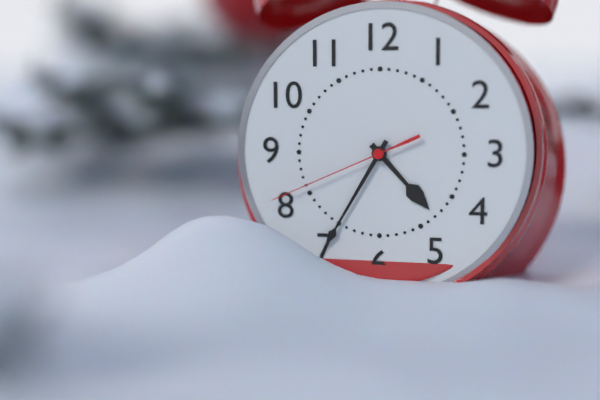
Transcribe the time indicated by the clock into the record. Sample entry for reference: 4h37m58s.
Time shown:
4h35m41s
